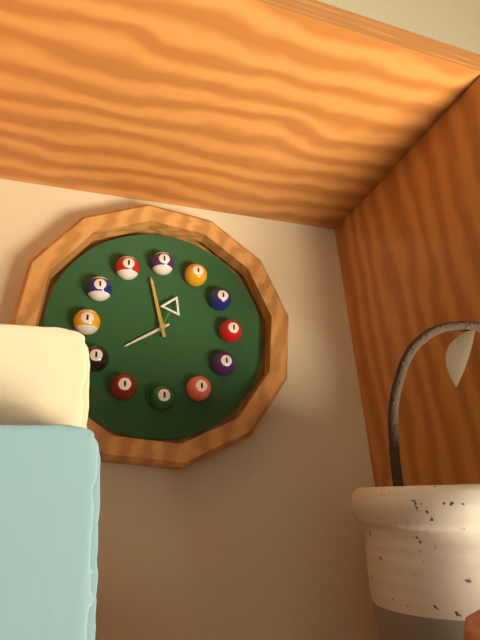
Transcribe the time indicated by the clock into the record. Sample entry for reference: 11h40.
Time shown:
7h58
